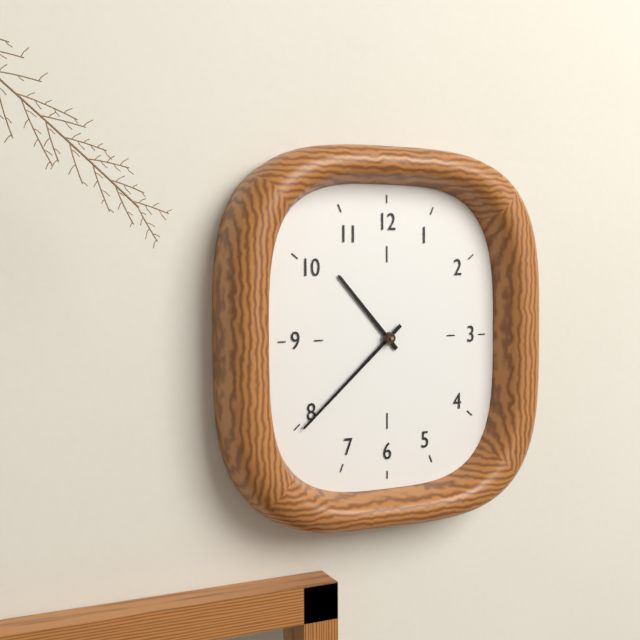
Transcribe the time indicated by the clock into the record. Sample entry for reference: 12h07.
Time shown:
10h38
